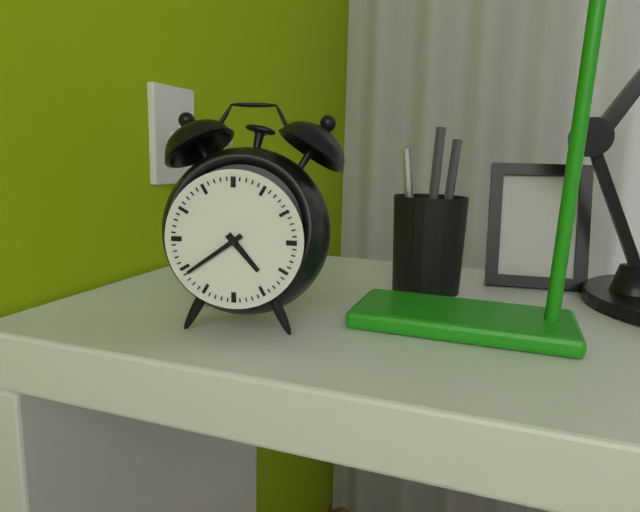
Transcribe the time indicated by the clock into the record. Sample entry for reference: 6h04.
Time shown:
4h39
